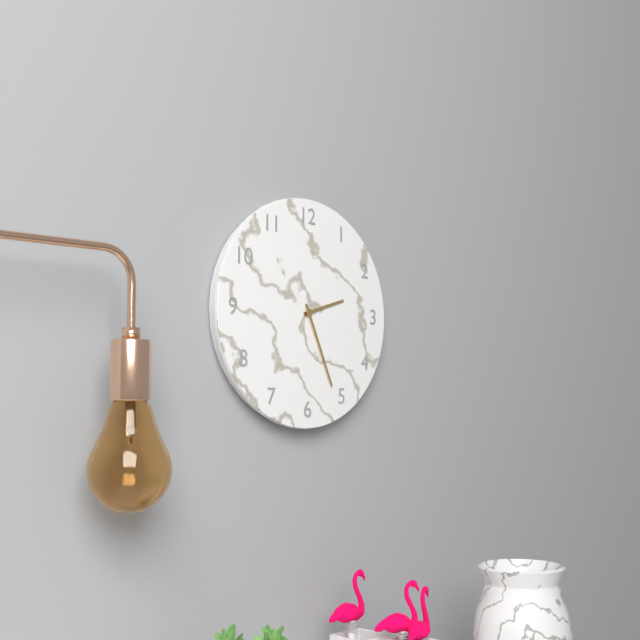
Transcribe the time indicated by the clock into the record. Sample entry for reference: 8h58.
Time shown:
2h26
